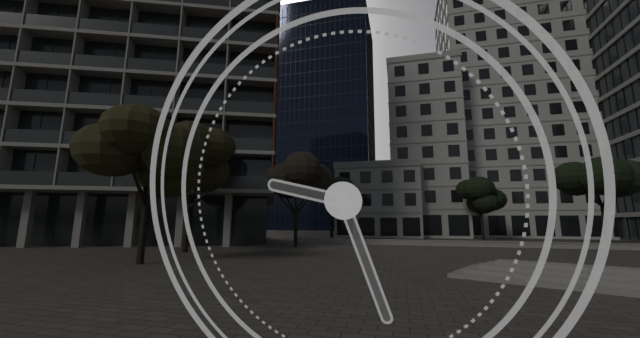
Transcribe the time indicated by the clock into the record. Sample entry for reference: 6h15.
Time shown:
9h27
